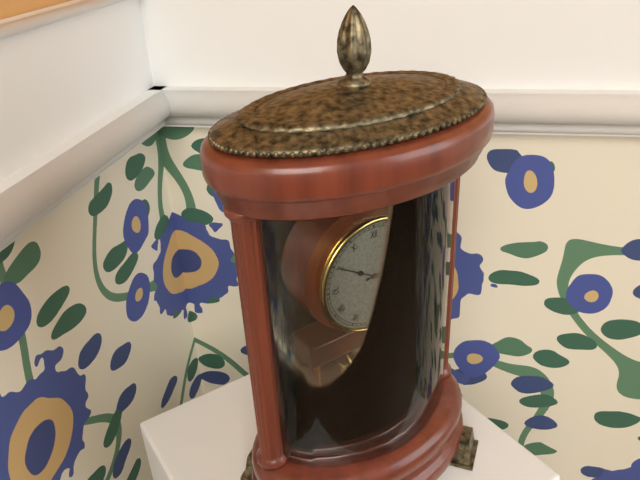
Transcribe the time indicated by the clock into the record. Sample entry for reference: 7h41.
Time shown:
2h50
